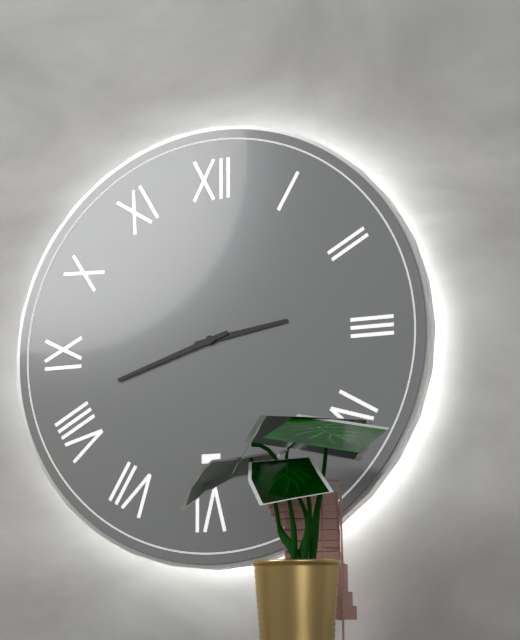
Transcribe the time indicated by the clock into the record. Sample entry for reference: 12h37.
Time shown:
2h42
